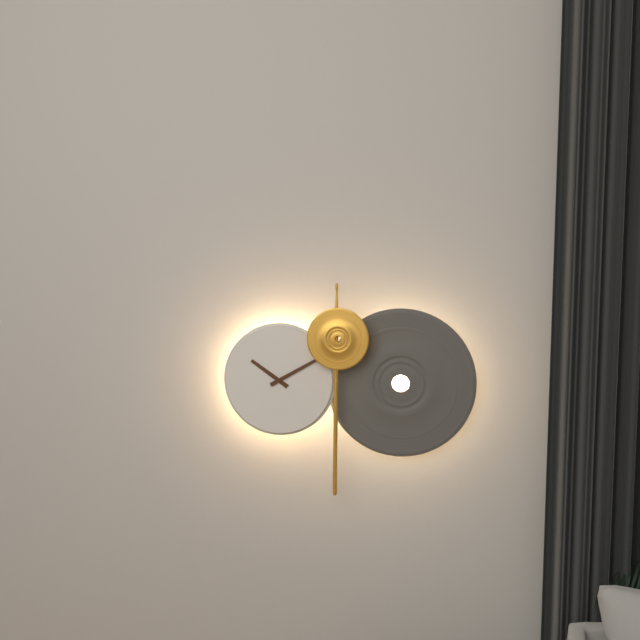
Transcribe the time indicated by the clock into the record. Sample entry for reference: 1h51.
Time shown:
10h10
